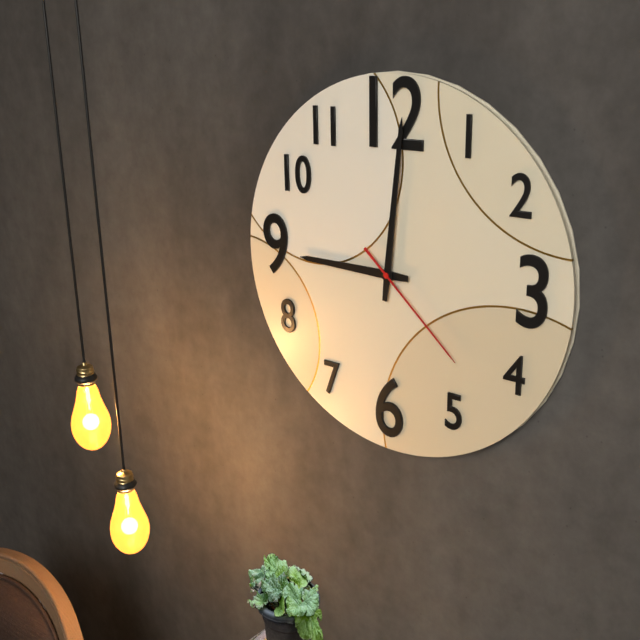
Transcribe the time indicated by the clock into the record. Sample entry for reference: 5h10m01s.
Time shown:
9h01m22s
